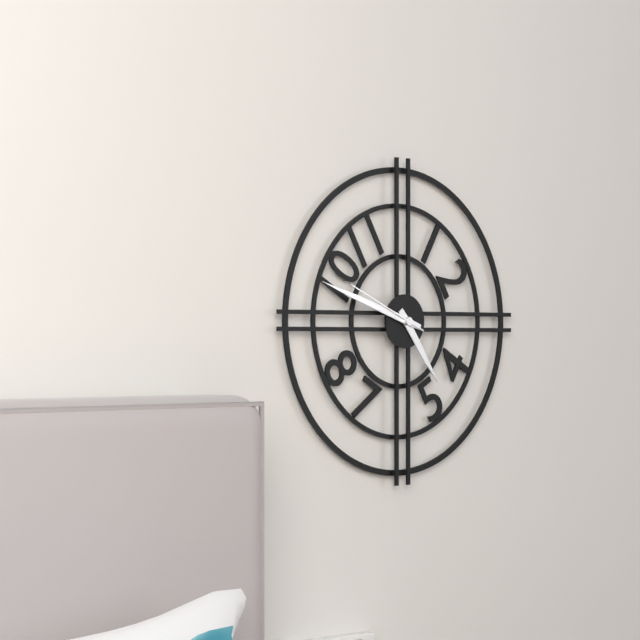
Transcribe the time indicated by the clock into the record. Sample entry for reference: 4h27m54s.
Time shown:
4h48m49s
